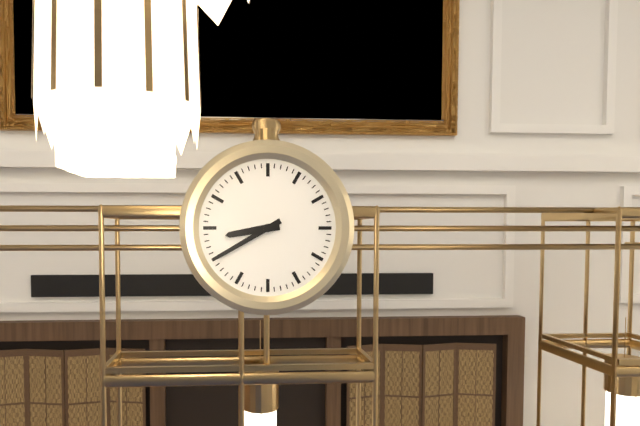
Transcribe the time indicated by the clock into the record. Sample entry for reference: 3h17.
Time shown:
8h40
